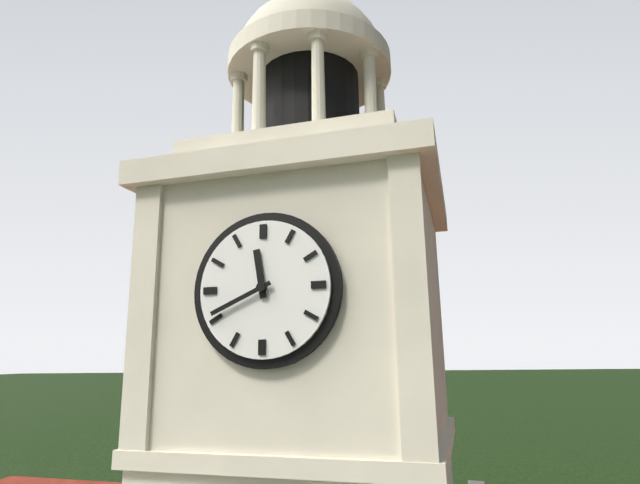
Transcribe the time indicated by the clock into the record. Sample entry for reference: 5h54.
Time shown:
11h41
